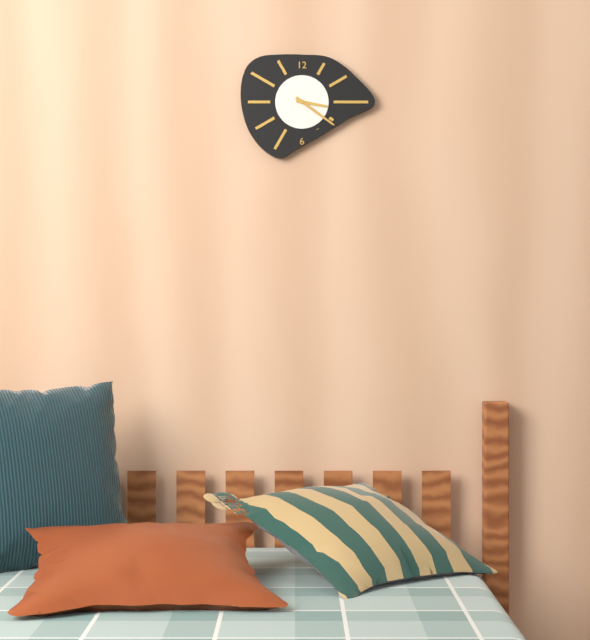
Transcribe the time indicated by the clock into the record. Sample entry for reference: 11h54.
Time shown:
3h21
